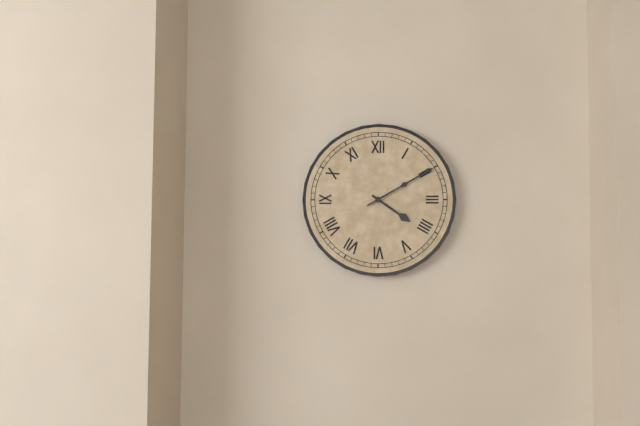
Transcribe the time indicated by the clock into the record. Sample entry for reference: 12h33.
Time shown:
4h10
